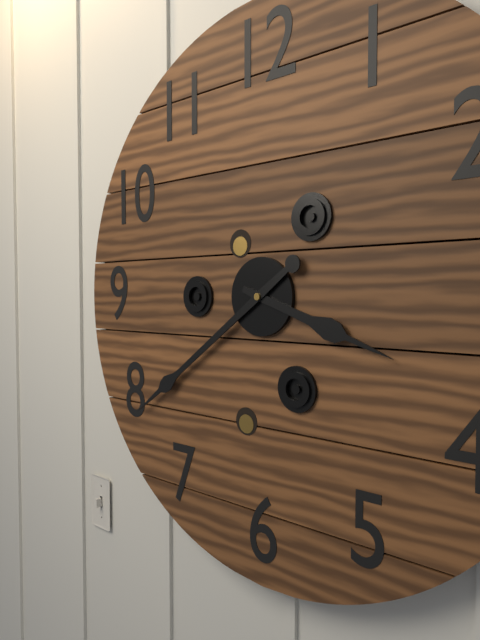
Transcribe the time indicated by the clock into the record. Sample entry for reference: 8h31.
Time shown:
3h39
